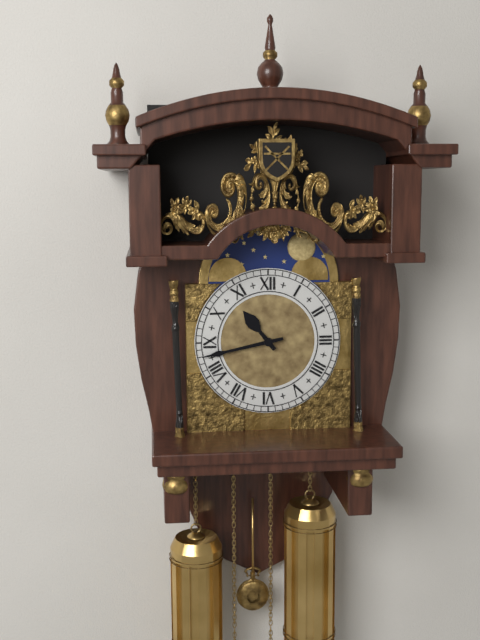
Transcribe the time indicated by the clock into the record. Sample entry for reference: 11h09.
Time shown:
10h43
